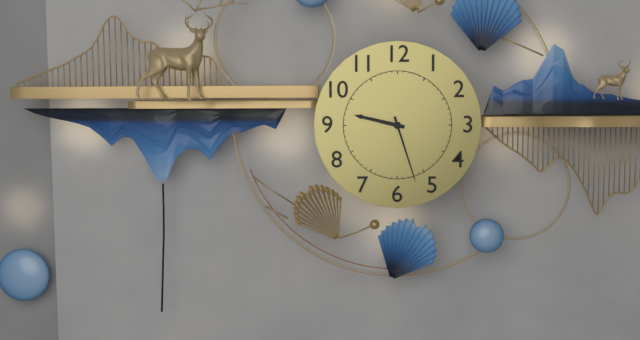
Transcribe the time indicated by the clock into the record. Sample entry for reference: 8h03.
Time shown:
9h27
